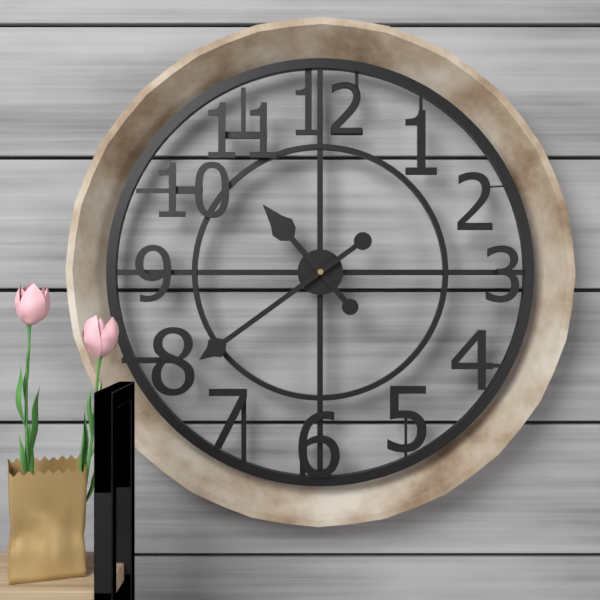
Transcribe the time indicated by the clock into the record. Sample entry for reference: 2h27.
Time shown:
10h39
